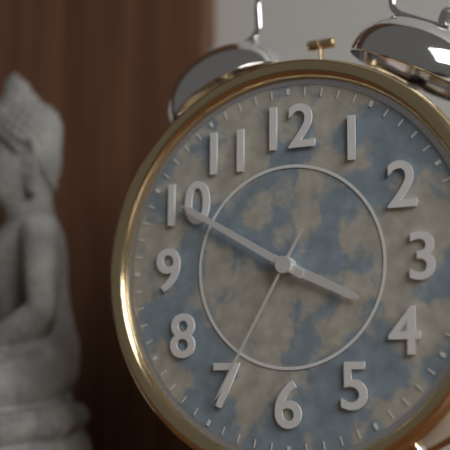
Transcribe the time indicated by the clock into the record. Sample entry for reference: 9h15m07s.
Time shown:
3h50m35s
